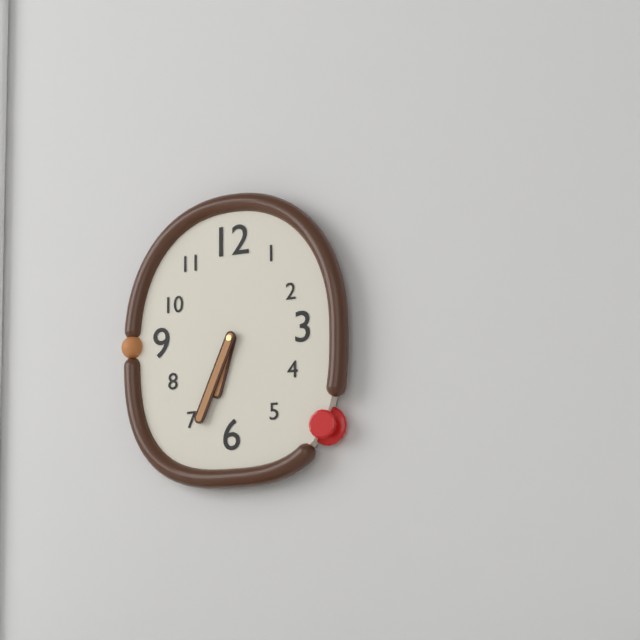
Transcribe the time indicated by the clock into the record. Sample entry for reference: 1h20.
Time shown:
6h34
